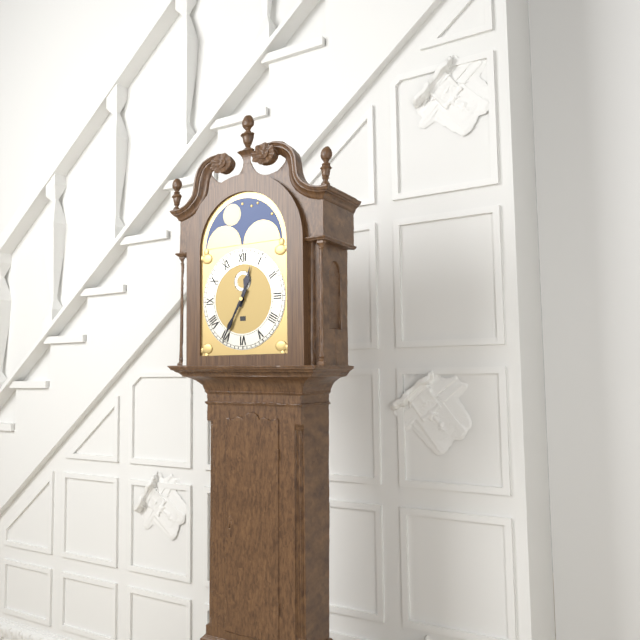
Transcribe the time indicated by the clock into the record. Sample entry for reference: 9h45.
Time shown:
12h35
